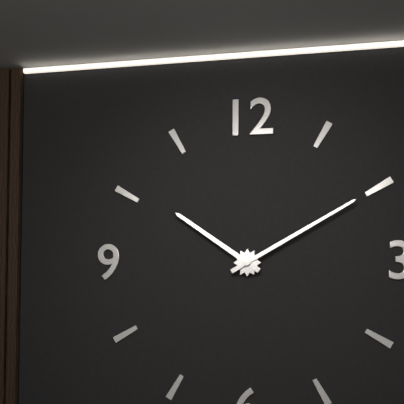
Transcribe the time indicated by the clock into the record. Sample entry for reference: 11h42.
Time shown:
10h10
